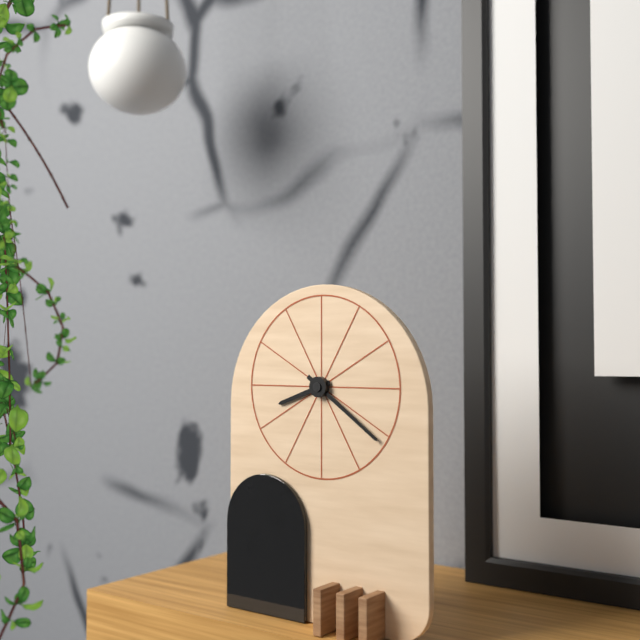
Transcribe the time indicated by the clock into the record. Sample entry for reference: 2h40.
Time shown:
8h21
